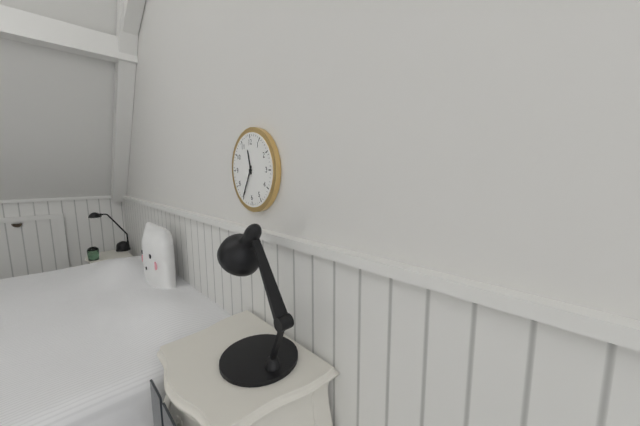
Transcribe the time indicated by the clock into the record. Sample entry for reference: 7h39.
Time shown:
11h35
